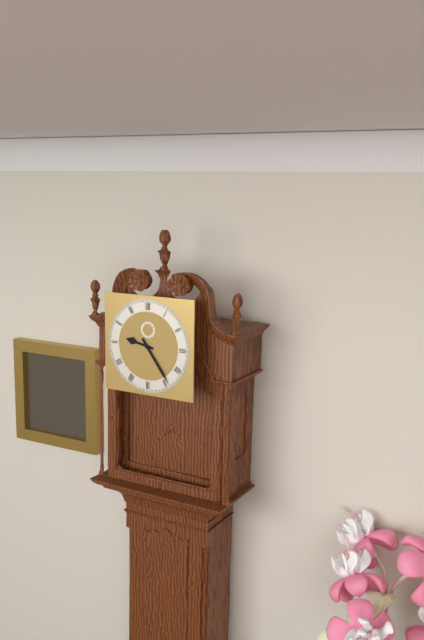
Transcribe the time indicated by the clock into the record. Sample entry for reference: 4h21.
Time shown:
9h24
